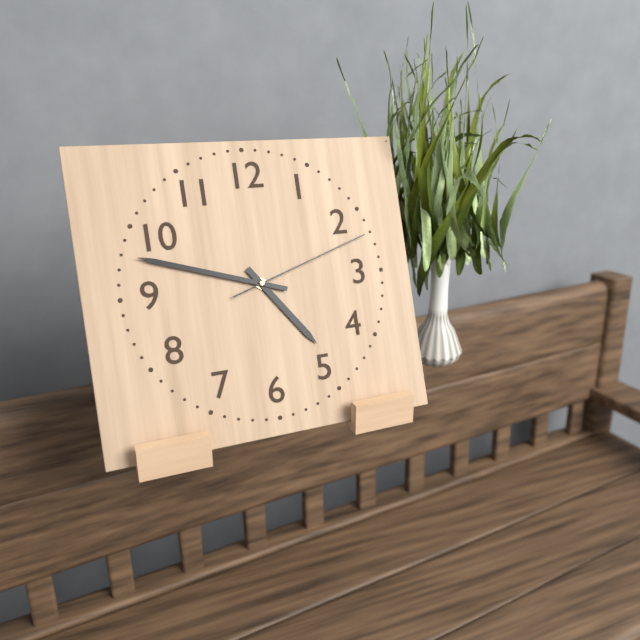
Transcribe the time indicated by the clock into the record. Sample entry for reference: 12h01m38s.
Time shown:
4h48m12s
